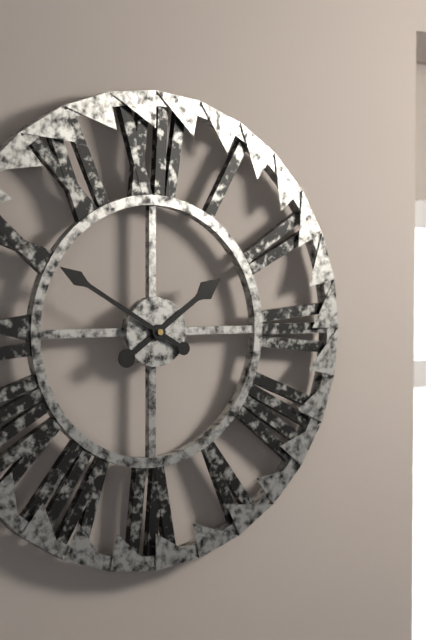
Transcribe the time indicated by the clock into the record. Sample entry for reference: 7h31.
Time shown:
1h50
